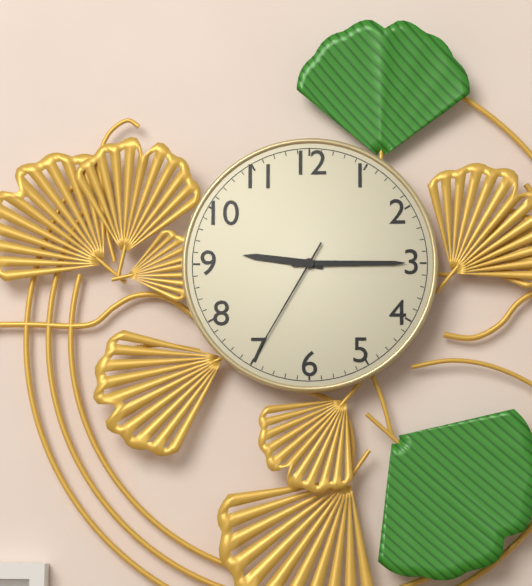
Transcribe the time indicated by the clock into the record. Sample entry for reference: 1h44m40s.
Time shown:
9h15m35s
